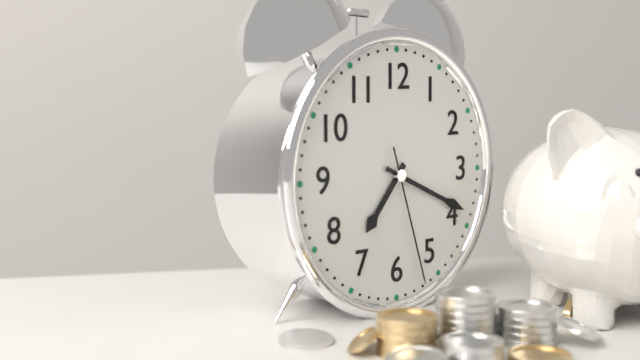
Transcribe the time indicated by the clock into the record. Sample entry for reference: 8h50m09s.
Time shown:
7h19m27s
